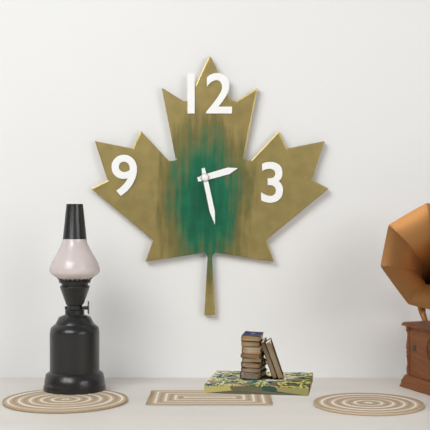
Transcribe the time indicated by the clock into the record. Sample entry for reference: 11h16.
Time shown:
2h28
